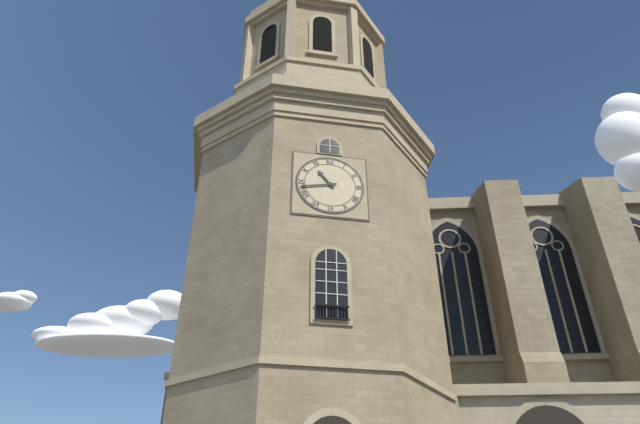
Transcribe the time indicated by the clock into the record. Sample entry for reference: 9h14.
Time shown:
10h43
